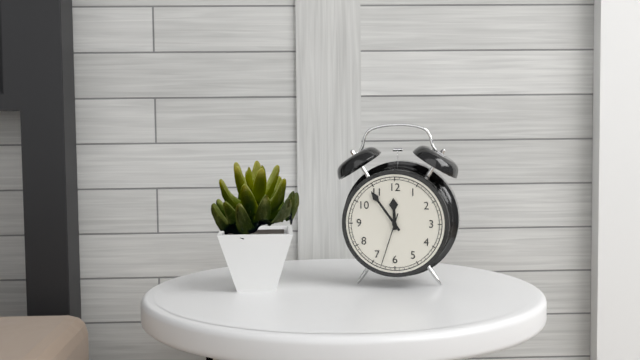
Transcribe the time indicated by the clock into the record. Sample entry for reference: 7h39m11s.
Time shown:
11h54m33s
